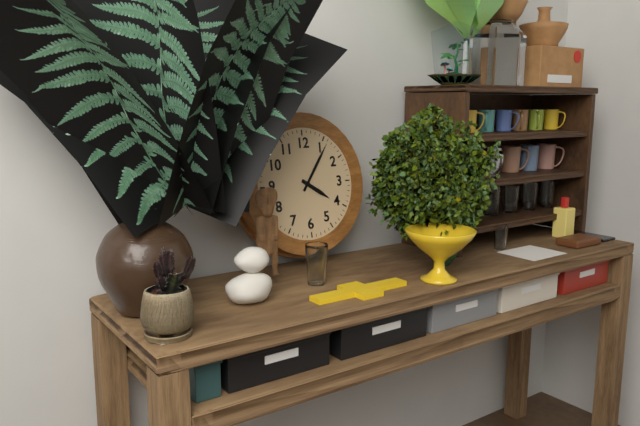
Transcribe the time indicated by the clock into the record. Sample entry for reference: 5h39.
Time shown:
4h06
